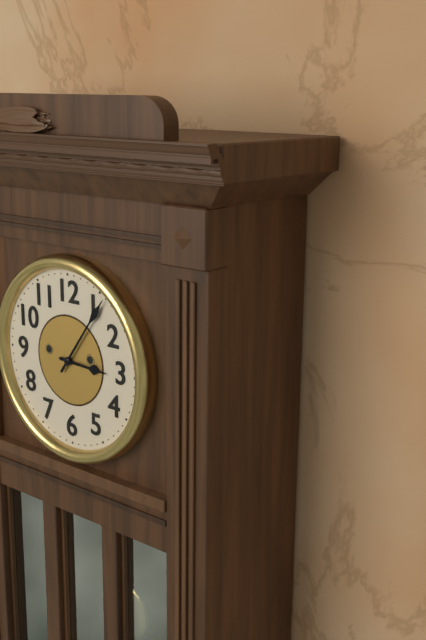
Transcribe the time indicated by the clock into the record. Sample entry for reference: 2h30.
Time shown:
3h06
